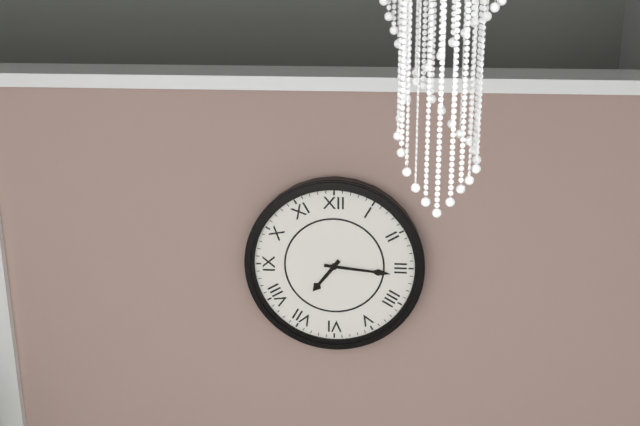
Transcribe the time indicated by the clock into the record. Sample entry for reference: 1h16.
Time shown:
7h16
